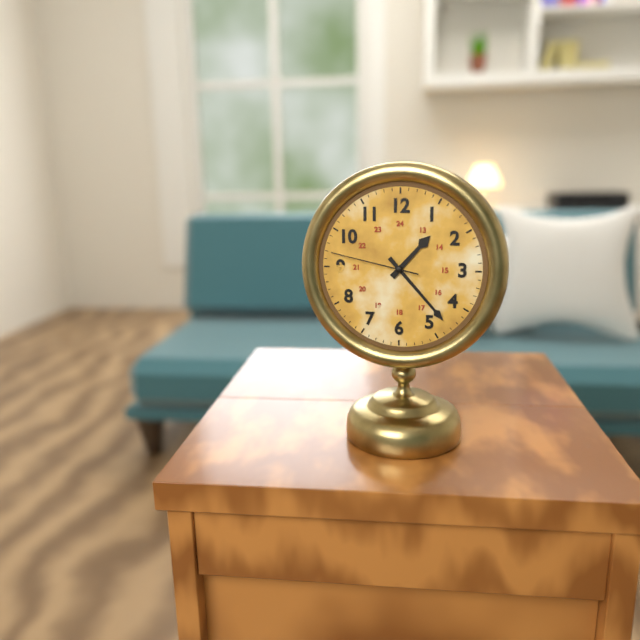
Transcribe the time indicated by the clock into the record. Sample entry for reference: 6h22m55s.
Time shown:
1h23m47s
